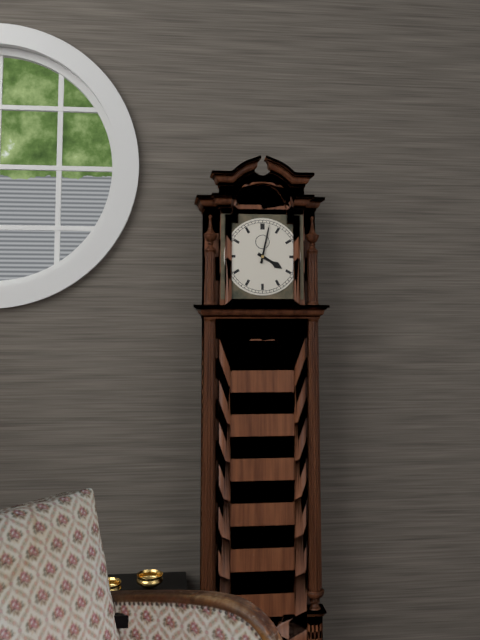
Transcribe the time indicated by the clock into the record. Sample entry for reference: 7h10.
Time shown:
4h02
